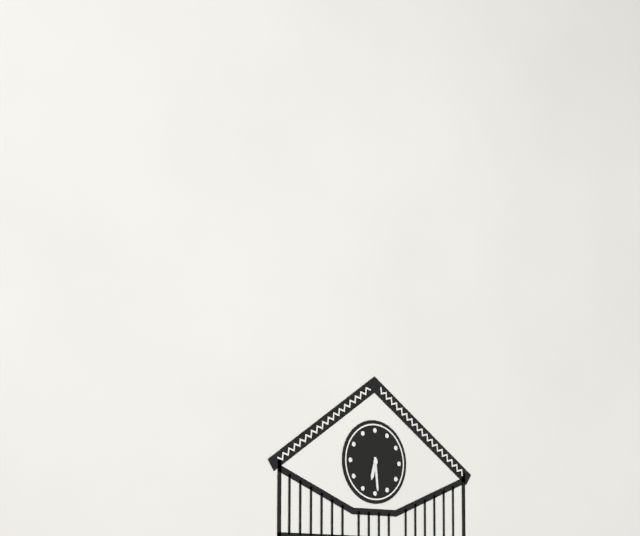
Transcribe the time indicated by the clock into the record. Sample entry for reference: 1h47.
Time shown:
6h29
